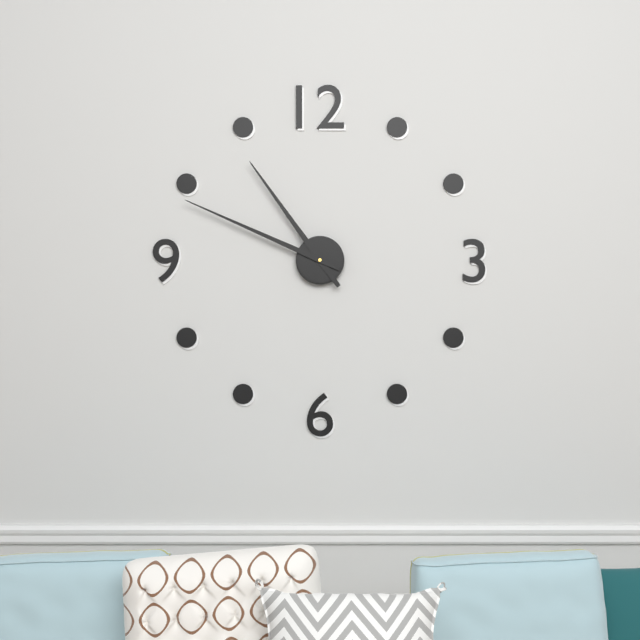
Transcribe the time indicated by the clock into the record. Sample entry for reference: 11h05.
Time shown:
10h49
